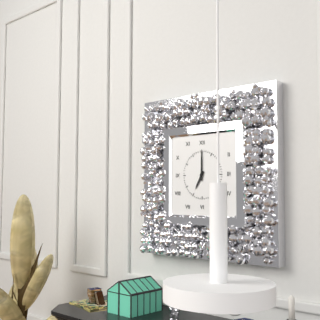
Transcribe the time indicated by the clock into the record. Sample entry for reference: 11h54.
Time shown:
7h00
